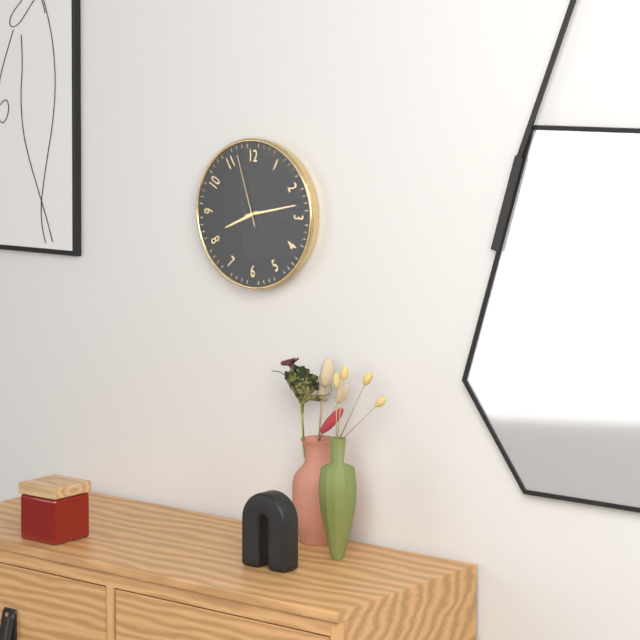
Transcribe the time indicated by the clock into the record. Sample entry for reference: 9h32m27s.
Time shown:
8h13m57s
